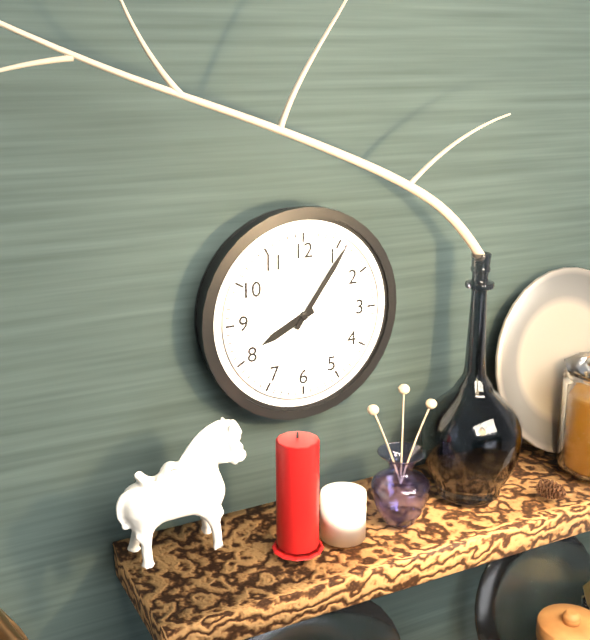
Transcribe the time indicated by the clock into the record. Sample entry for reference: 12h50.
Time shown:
8h06
